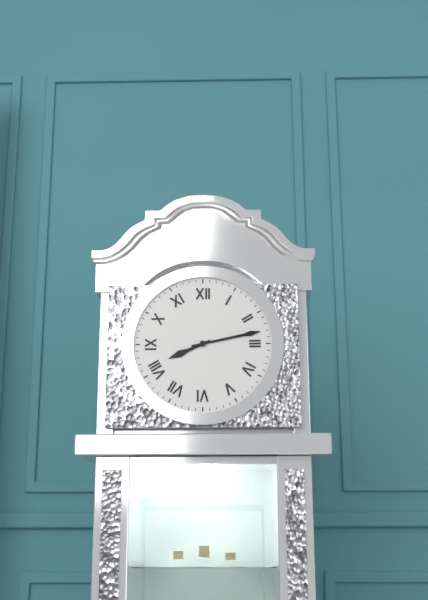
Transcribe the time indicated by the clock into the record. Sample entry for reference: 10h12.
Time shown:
8h13
